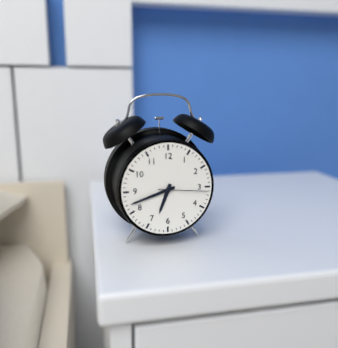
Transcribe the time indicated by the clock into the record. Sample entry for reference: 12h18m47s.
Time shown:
6h42m16s
